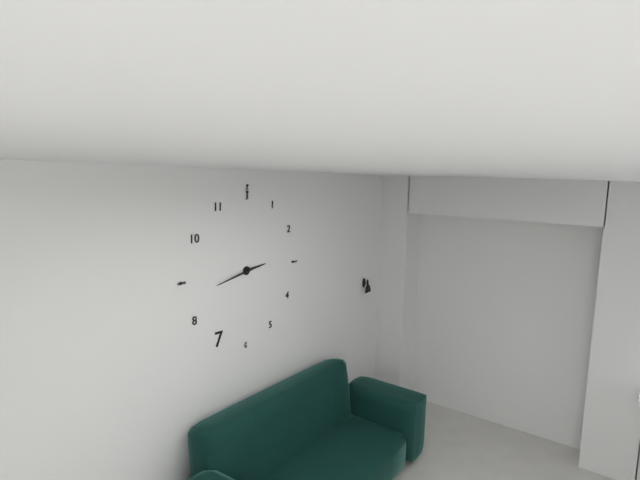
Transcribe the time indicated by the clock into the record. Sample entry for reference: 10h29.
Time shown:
2h43
